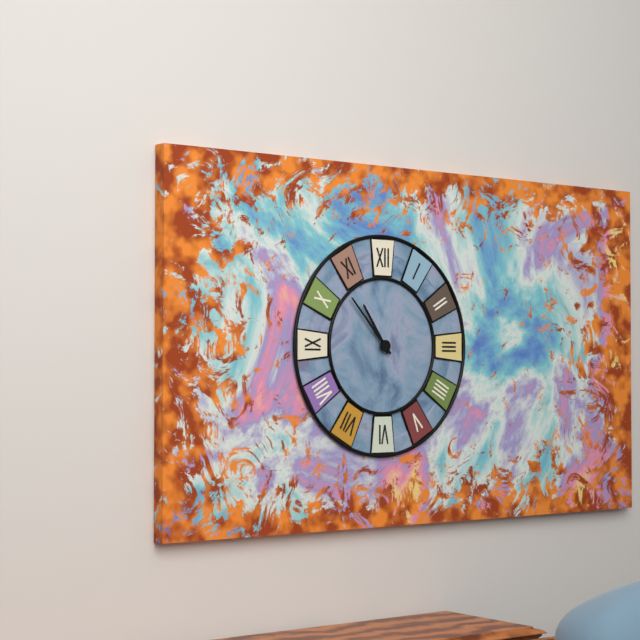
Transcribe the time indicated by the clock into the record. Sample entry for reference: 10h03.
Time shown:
10h53
